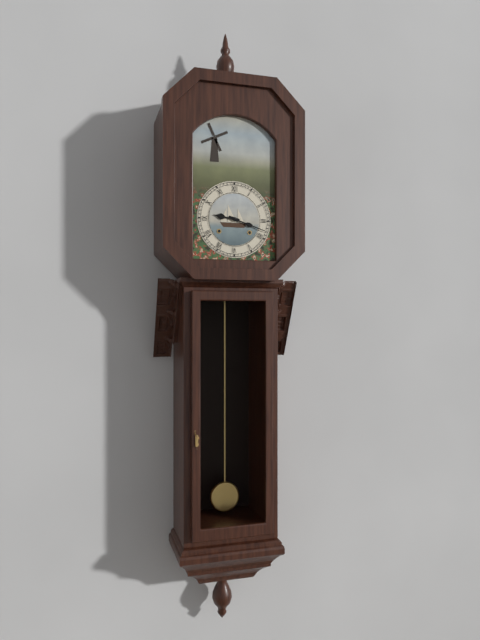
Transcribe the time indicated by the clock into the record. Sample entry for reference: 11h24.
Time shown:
9h18
